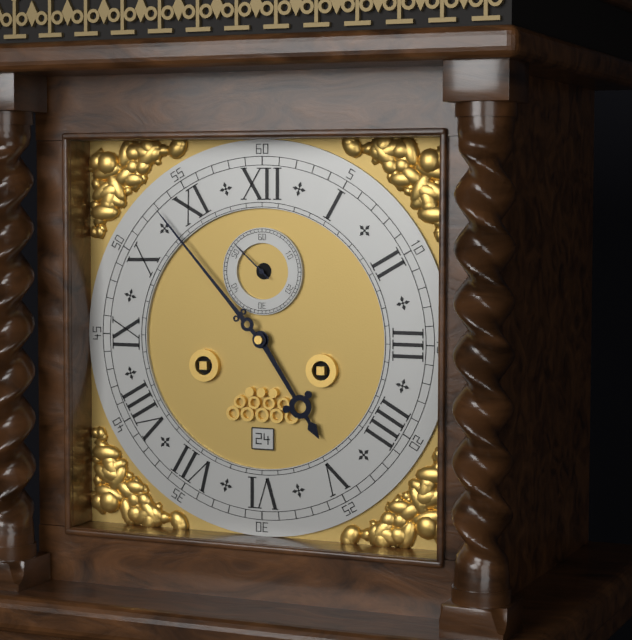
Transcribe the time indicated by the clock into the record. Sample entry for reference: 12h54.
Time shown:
4h53
